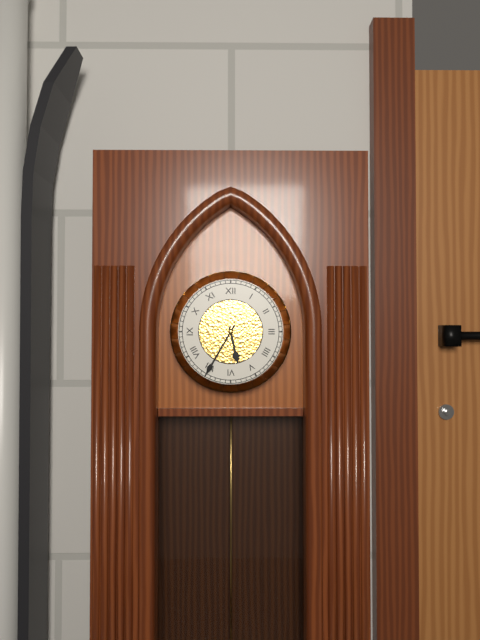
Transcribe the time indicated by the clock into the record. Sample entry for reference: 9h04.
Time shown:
5h35
